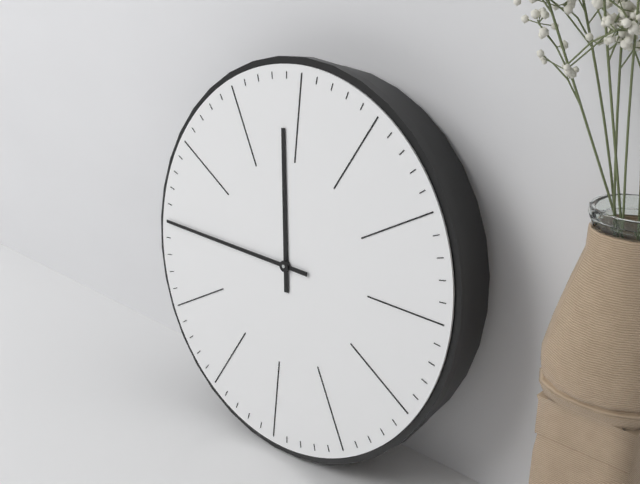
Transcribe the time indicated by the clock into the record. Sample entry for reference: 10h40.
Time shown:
11h45
